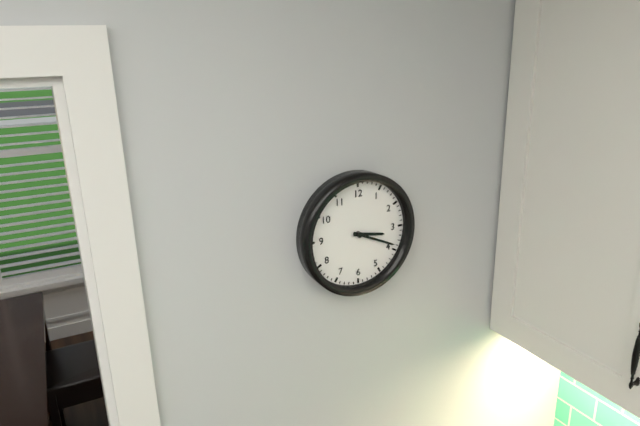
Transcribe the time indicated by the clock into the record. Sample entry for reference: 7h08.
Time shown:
3h19
